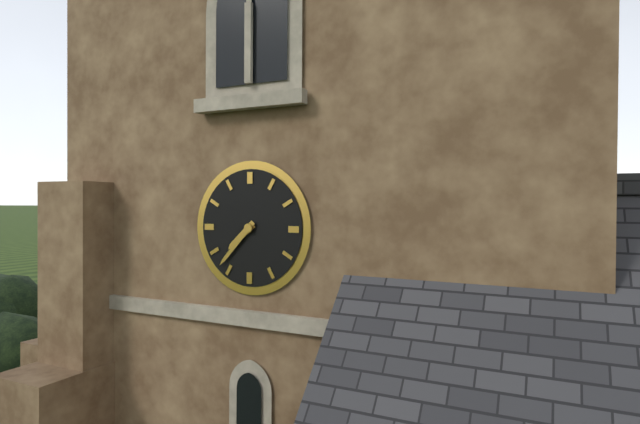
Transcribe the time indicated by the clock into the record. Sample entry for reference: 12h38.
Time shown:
7h37
